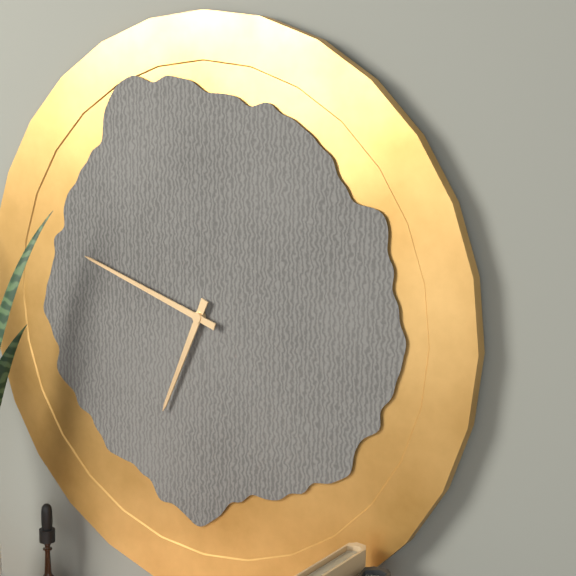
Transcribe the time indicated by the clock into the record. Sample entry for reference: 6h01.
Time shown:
6h48
